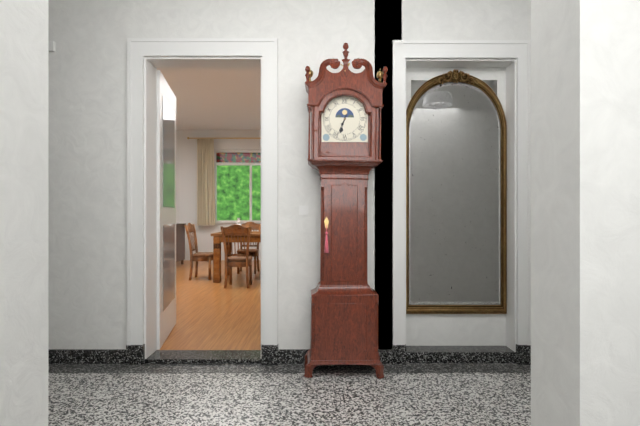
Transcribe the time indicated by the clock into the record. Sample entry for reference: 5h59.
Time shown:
6h34
